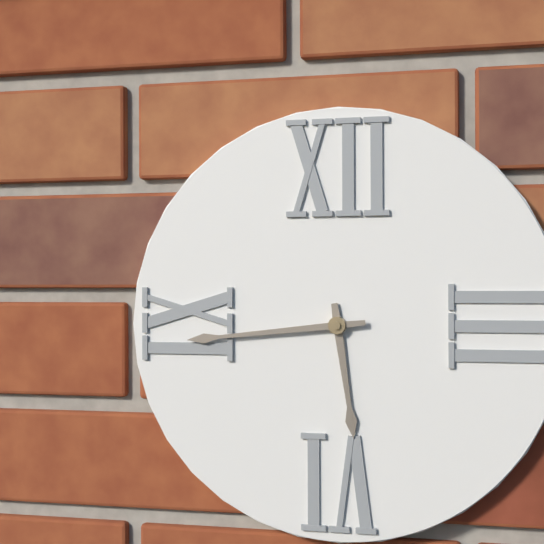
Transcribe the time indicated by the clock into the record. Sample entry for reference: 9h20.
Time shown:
5h44
